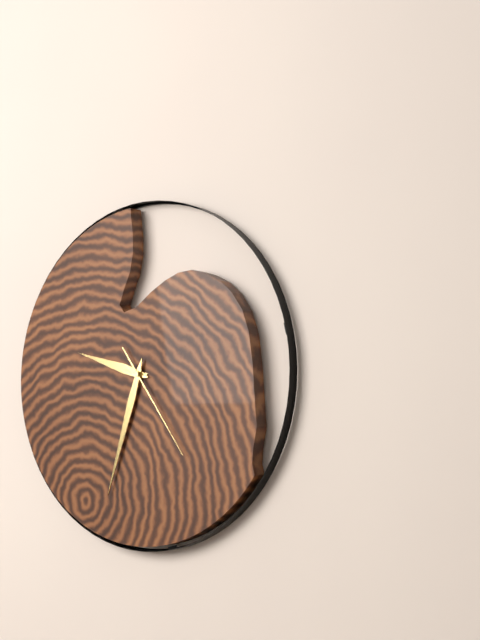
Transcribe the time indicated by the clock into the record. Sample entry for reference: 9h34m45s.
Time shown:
9h33m24s
